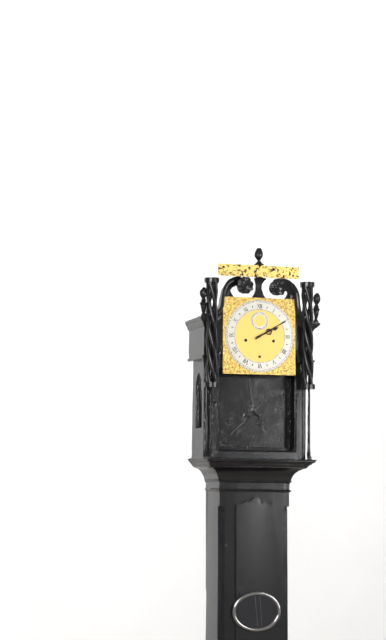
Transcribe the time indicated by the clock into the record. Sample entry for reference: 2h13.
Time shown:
2h10
